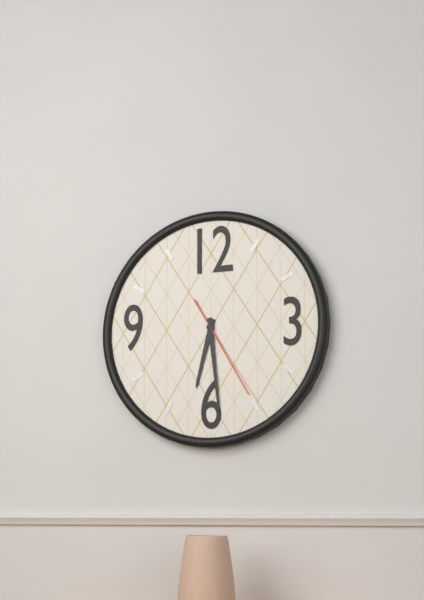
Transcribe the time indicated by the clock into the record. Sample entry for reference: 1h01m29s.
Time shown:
6h29m25s
